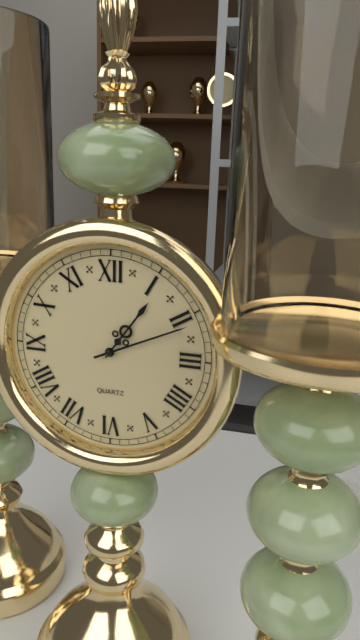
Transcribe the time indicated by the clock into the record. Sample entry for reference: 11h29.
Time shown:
1h11
